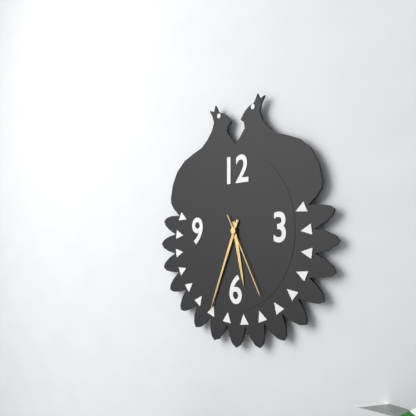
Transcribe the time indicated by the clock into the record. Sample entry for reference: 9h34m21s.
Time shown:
5h34m25s
